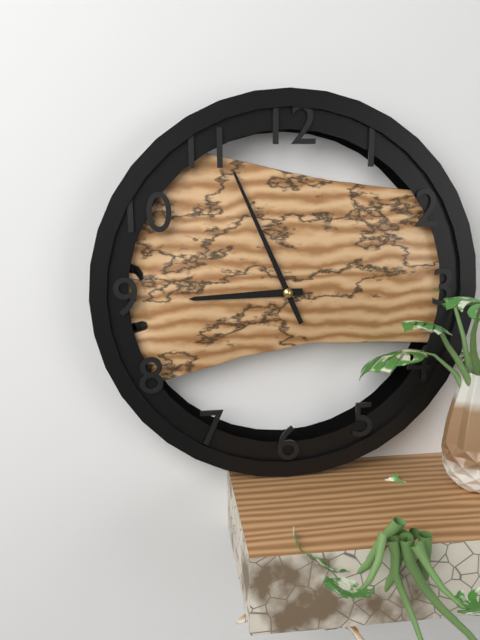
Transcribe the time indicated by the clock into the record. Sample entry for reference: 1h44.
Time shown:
8h56
